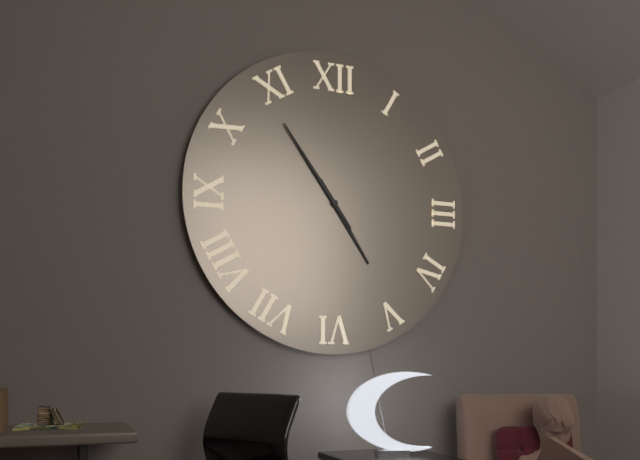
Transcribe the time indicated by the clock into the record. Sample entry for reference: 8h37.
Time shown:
4h54
